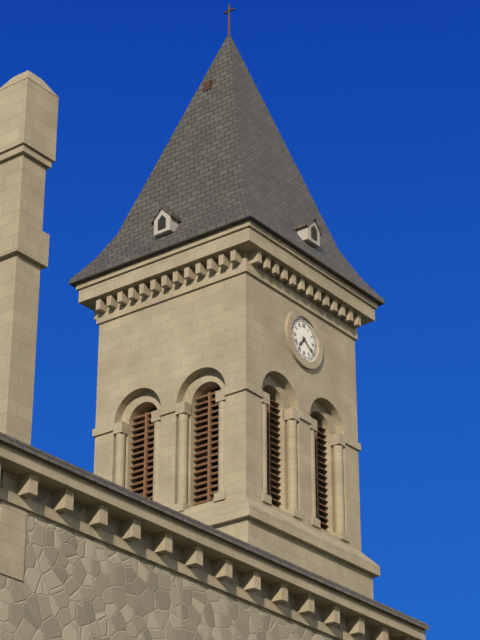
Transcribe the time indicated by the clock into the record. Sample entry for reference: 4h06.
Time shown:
7h21
